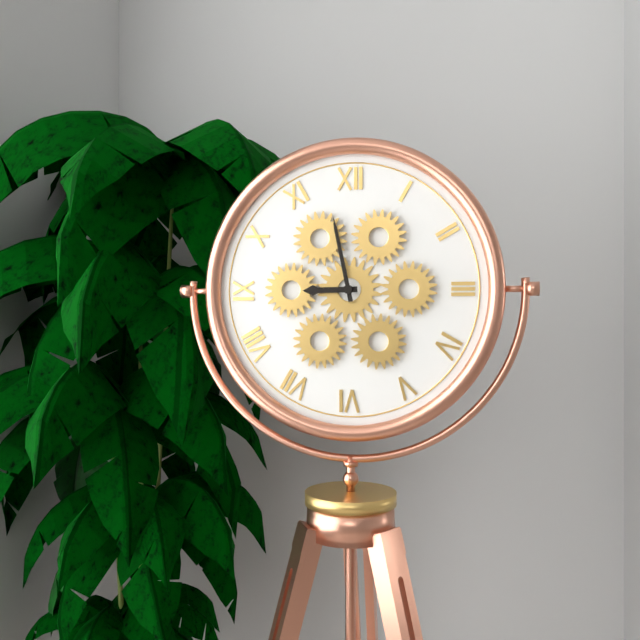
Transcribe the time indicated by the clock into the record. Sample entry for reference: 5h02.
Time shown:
8h58
